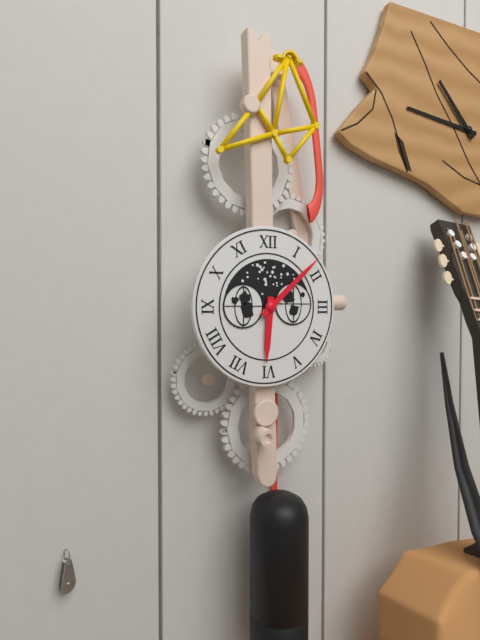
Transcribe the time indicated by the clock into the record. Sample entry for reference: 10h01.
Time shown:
6h08
